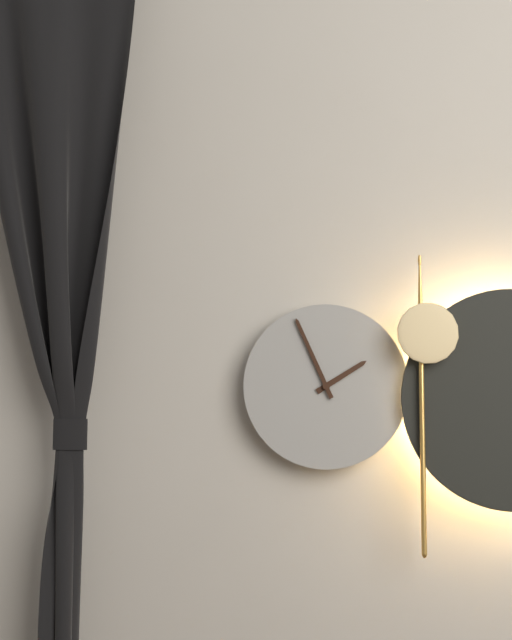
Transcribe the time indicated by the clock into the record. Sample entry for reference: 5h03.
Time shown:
1h56
